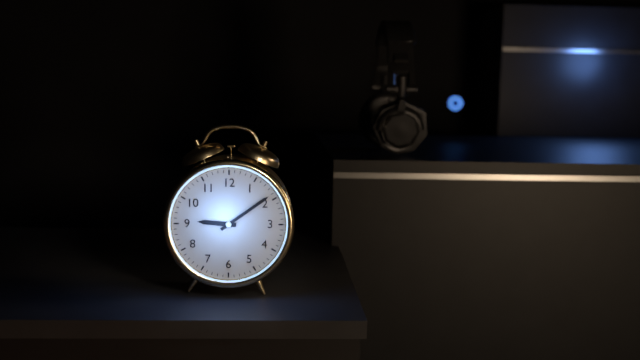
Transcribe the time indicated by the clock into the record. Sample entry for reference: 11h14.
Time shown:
9h09
